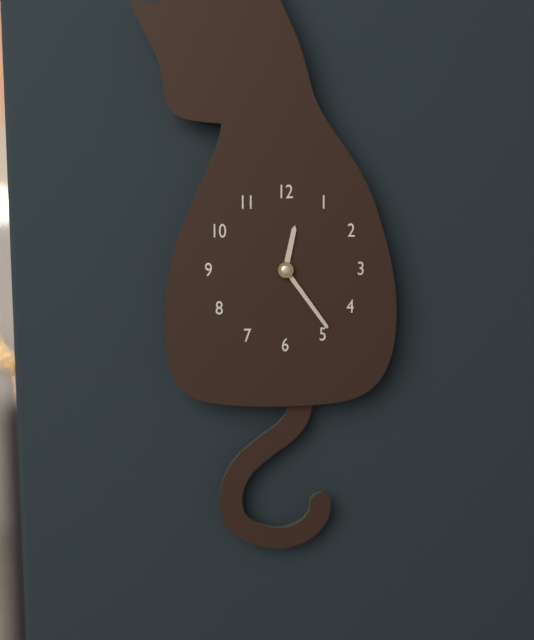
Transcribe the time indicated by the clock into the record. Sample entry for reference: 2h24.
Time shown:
12h24
